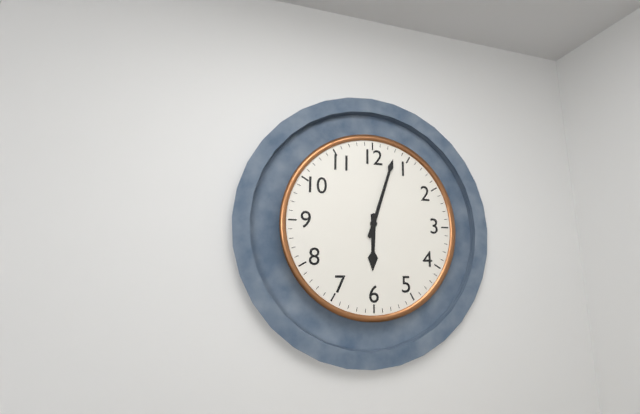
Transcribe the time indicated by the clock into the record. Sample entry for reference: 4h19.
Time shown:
6h03
